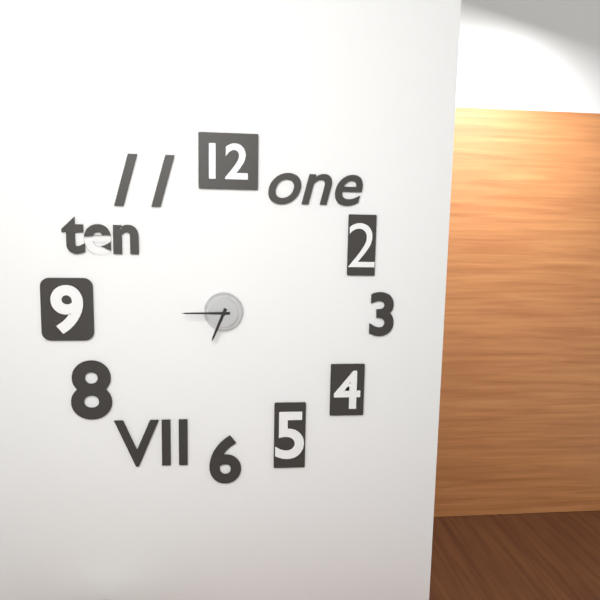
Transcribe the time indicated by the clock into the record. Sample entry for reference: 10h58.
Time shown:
6h45
